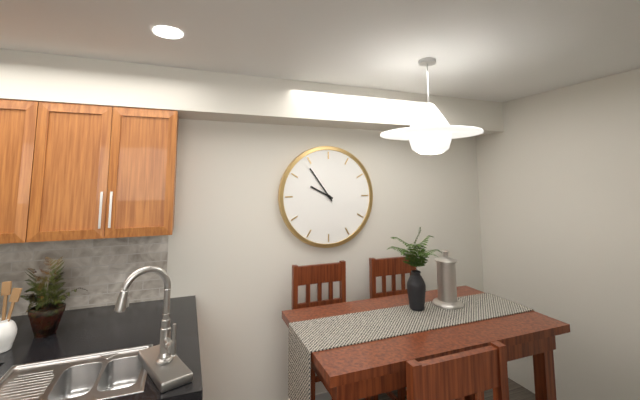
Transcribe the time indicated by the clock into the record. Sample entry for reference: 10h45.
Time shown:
9h54
